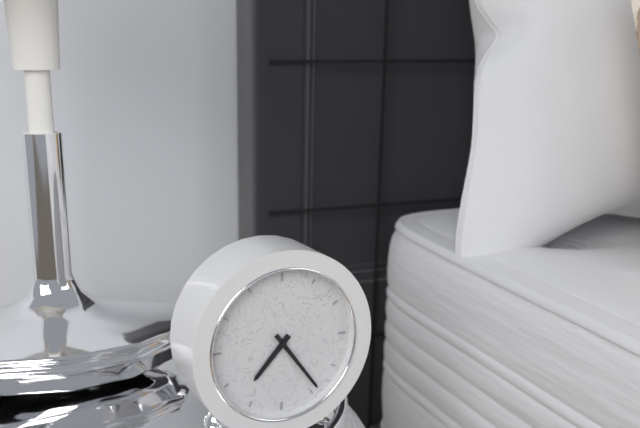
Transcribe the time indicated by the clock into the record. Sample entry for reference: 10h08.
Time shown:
7h24
